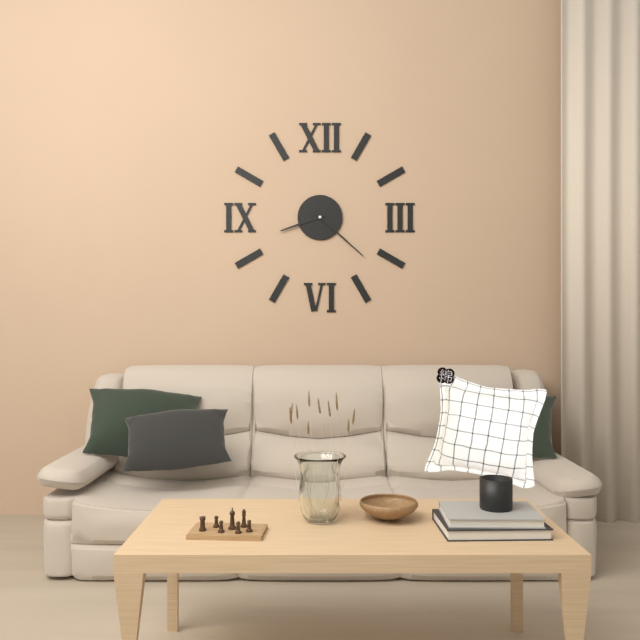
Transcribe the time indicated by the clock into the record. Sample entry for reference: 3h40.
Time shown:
8h22
